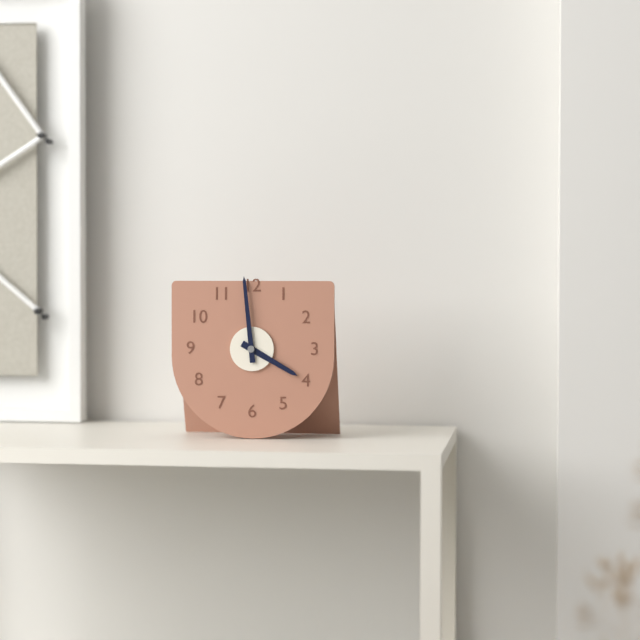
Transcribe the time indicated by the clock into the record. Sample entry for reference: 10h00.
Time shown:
3h59
